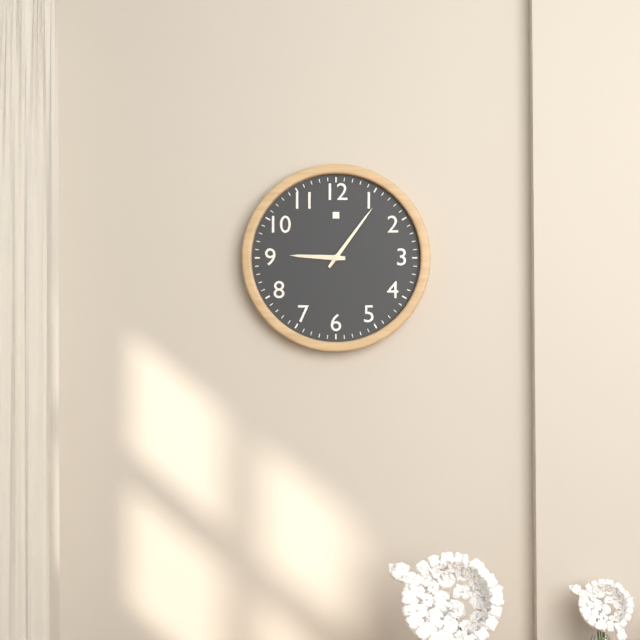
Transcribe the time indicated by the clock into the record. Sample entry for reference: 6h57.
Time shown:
9h06
